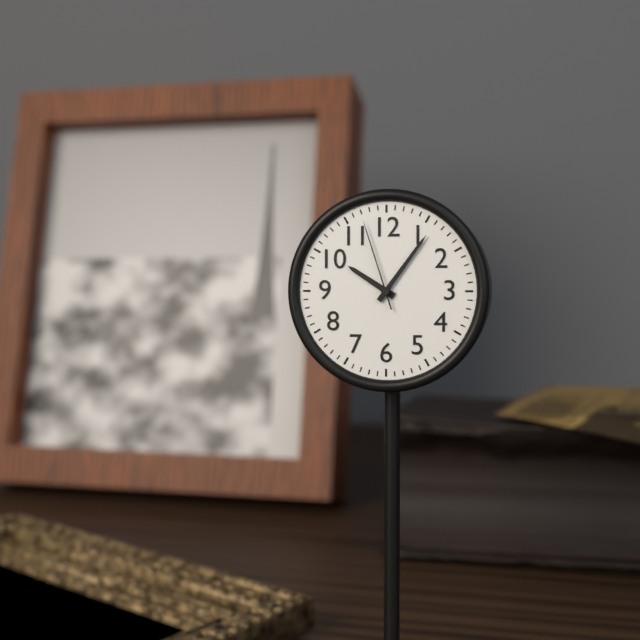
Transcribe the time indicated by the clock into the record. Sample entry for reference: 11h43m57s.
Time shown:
10h06m57s
